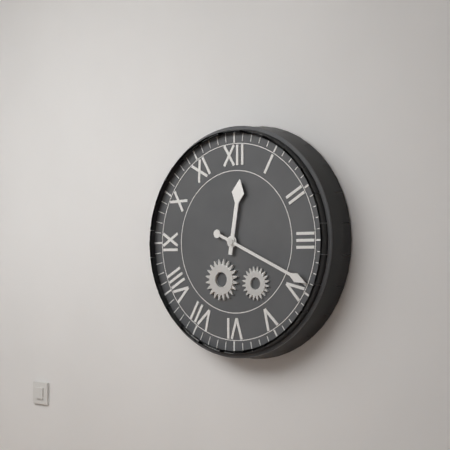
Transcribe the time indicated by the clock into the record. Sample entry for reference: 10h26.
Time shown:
12h19
